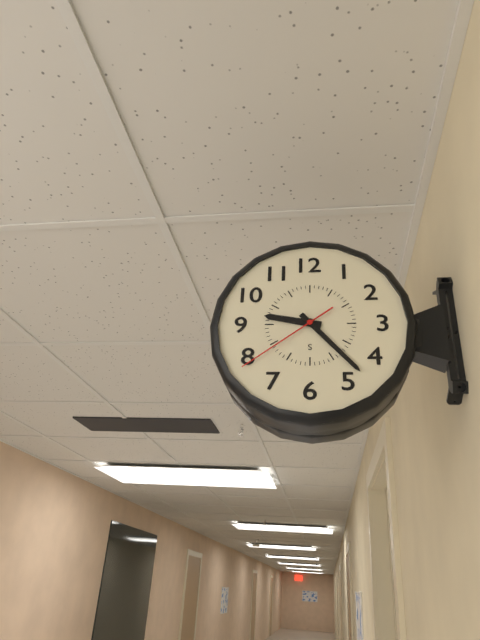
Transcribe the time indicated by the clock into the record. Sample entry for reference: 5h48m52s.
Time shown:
9h23m39s
